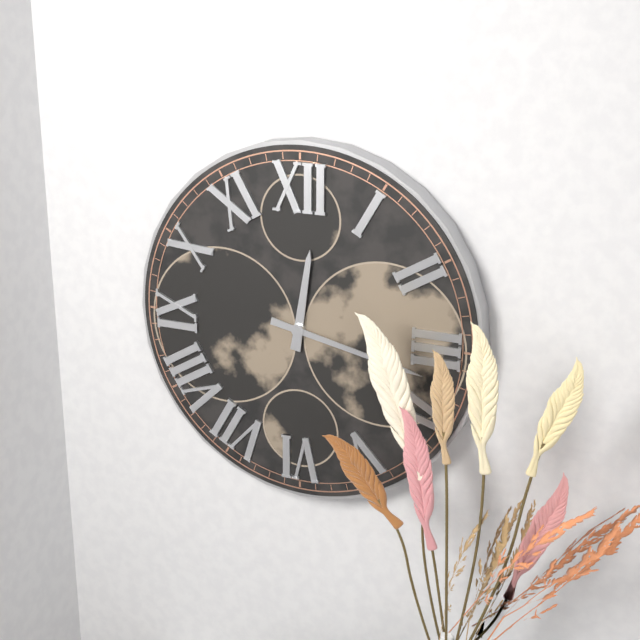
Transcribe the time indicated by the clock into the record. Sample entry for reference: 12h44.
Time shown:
12h17
